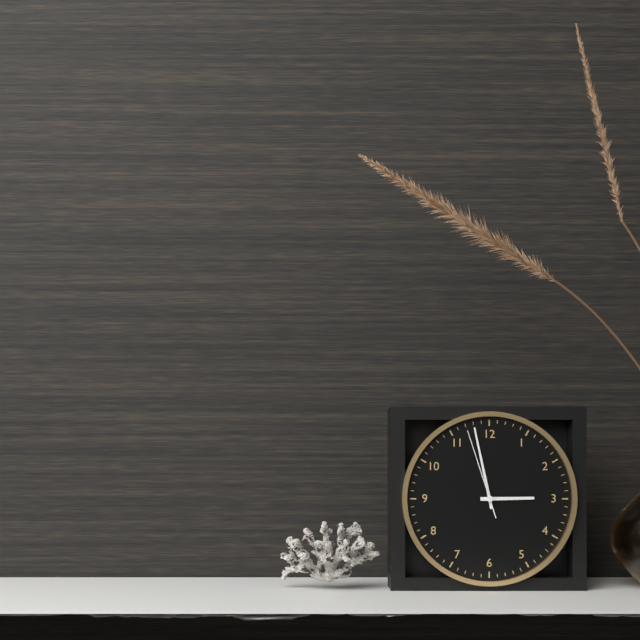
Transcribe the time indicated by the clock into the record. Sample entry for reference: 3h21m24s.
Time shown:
2h58m57s
